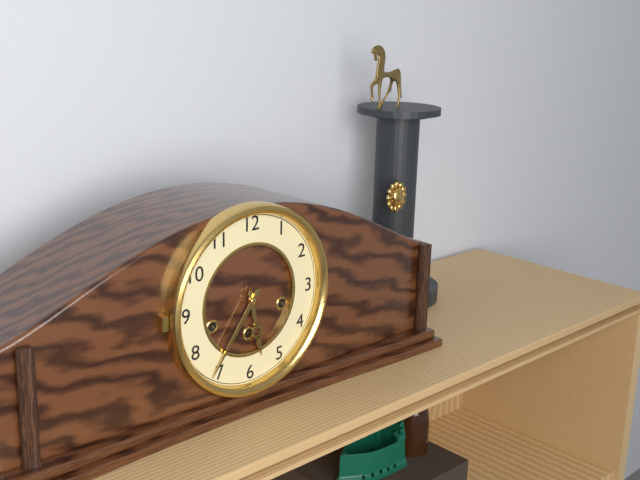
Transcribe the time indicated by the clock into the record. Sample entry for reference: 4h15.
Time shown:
5h36
